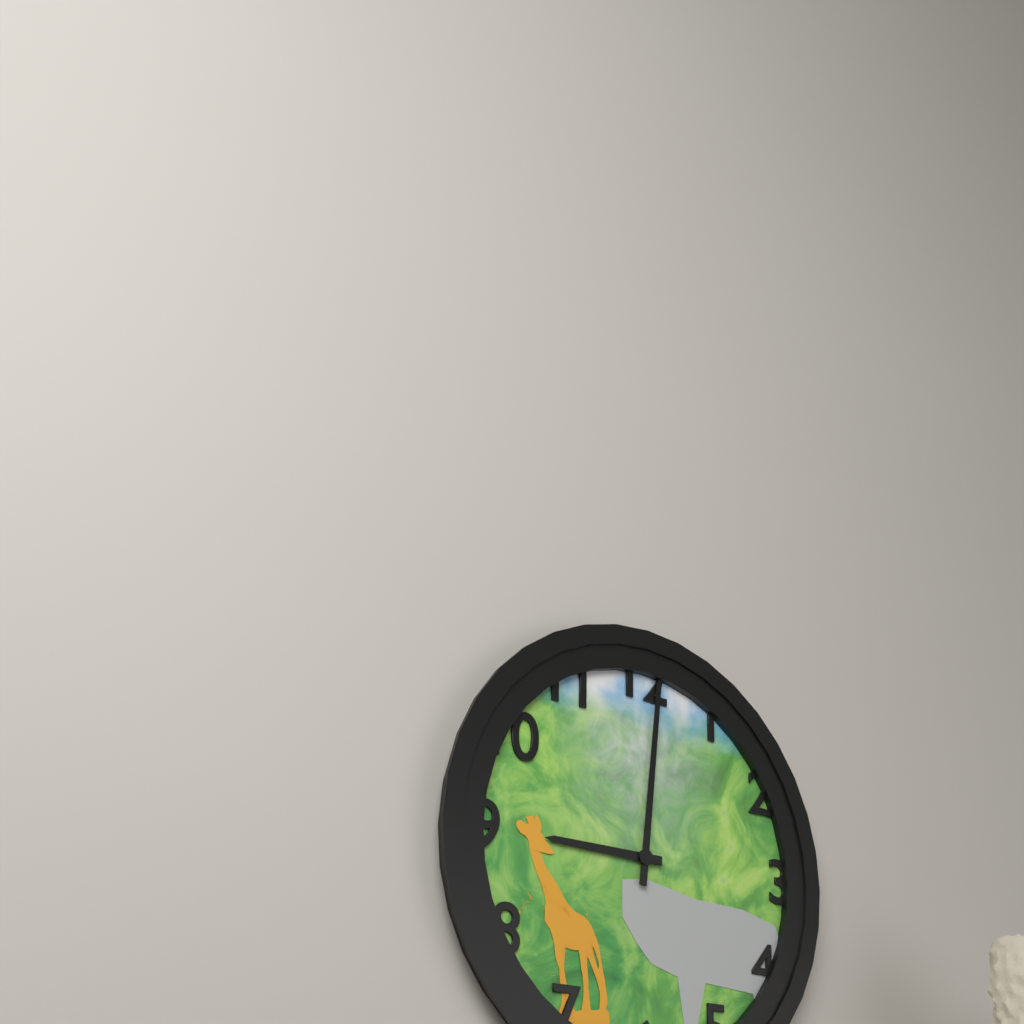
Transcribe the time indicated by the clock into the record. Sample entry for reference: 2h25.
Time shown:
9h01
